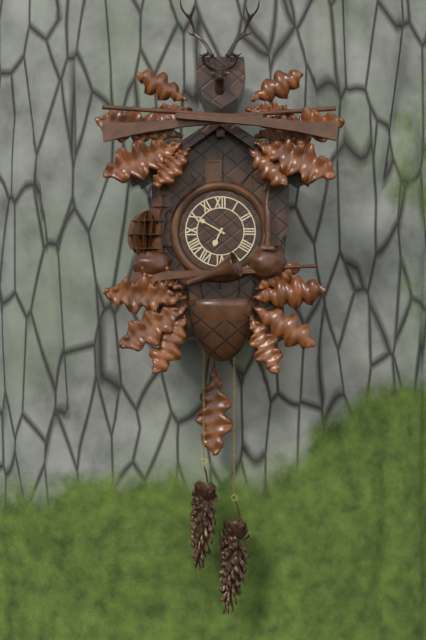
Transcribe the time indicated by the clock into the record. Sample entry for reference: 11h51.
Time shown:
6h50
